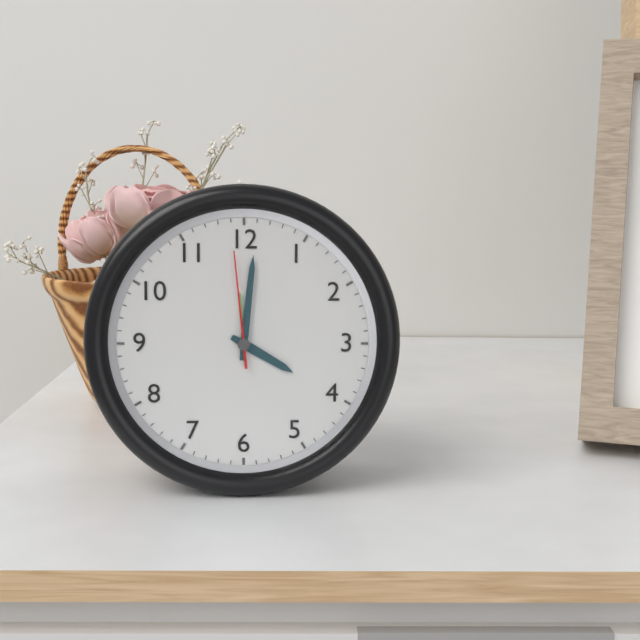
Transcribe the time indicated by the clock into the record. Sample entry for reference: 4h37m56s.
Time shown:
4h01m59s
